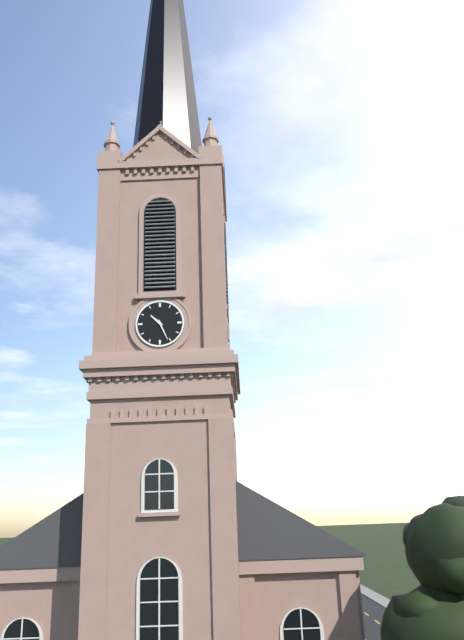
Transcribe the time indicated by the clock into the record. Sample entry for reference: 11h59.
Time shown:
10h26
